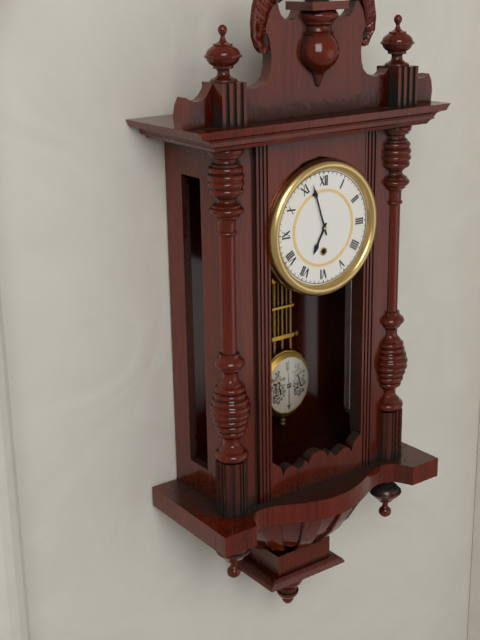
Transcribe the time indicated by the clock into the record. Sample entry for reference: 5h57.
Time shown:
6h57
